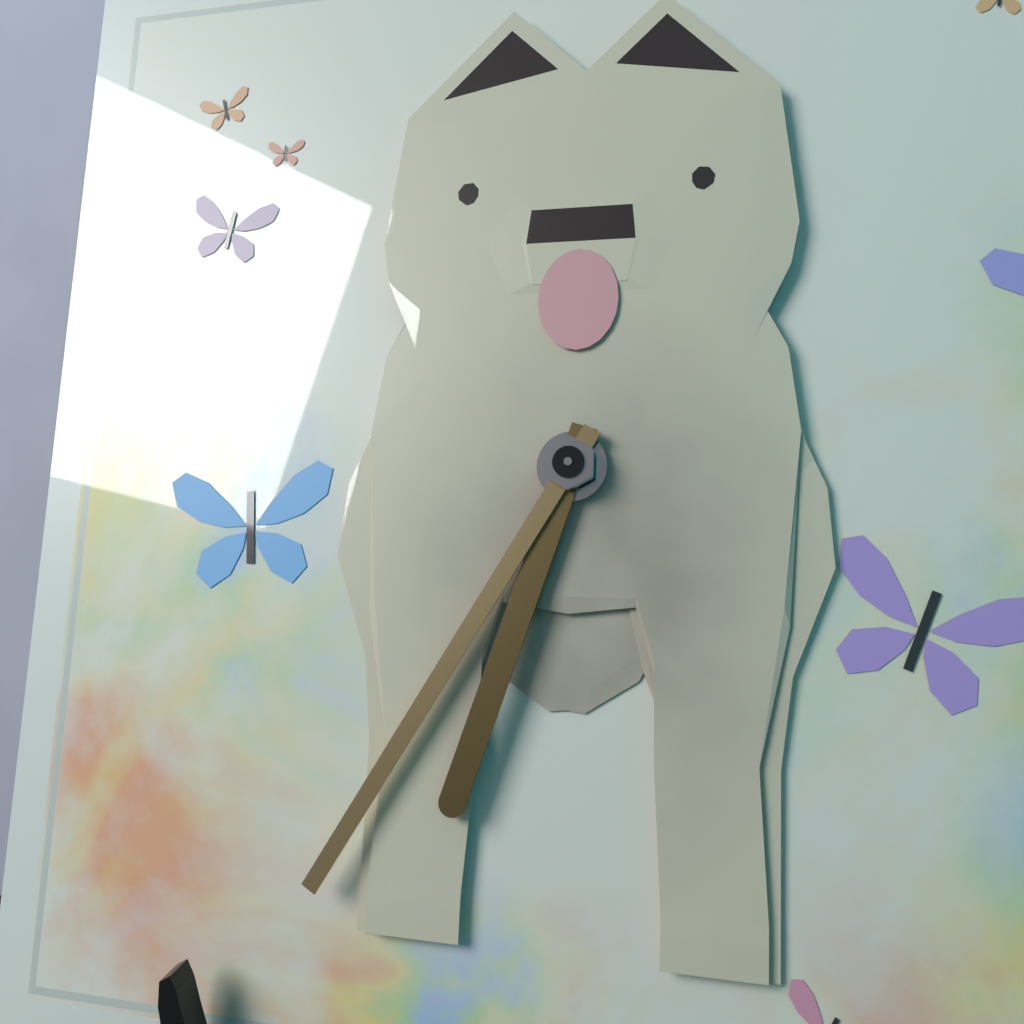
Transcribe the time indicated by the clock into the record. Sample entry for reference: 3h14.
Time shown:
6h35
